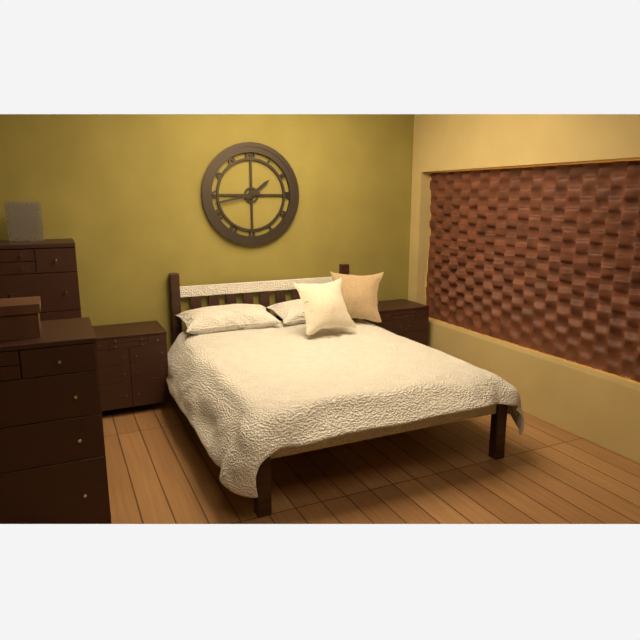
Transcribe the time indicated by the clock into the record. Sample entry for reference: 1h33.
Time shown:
1h43
